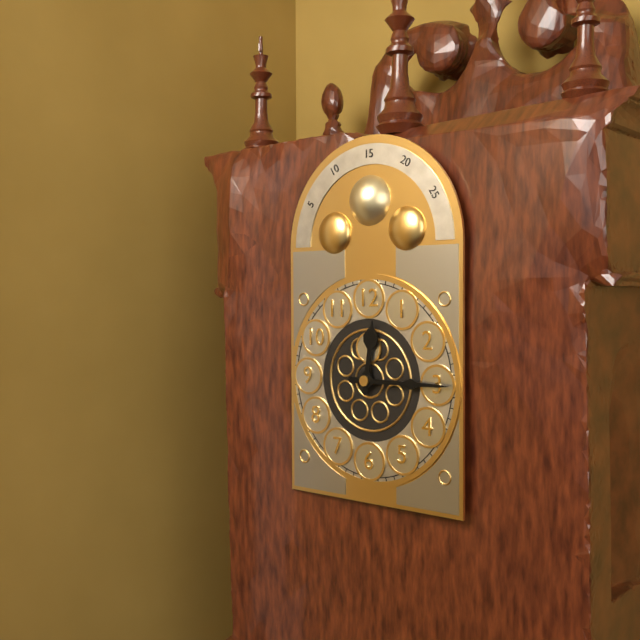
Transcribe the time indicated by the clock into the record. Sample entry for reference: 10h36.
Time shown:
12h15
